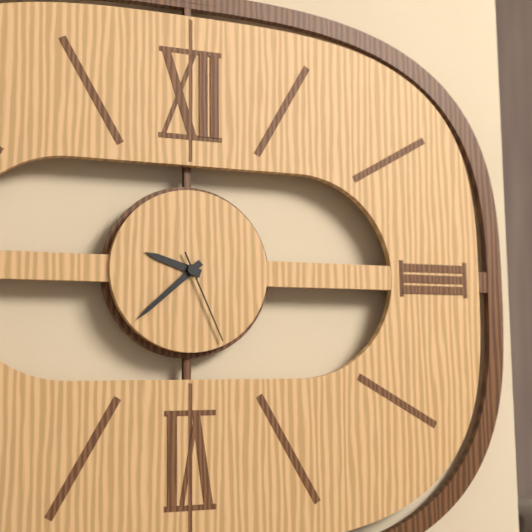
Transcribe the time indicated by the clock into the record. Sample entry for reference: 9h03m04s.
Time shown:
9h38m26s
